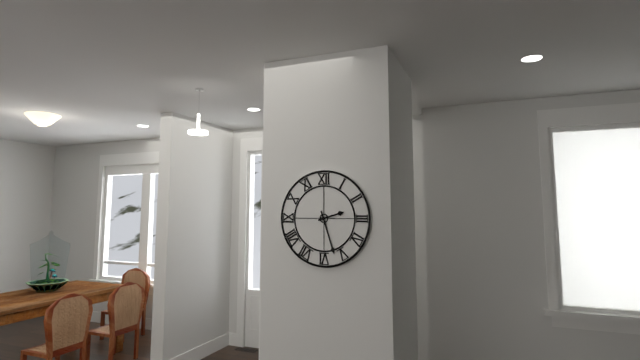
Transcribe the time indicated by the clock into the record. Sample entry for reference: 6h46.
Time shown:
2h27
